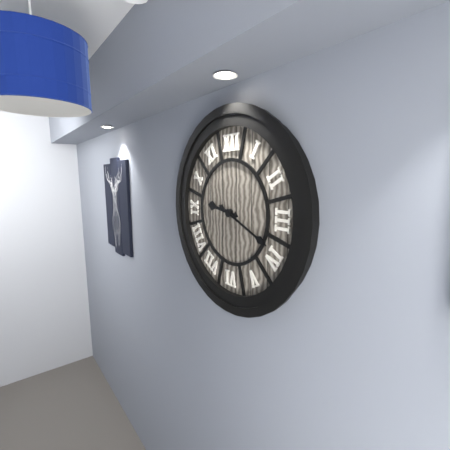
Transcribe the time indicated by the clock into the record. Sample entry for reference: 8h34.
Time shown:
9h19
